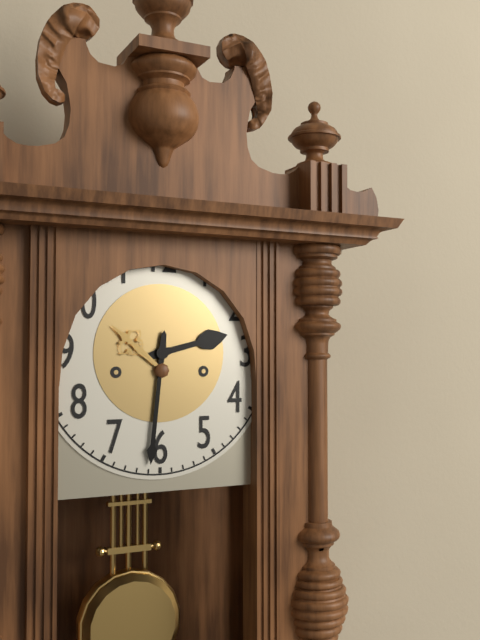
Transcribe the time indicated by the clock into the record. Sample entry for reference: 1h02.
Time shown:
2h31
